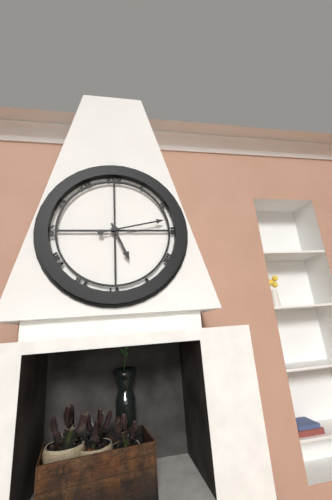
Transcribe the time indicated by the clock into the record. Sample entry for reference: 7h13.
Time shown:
5h13
